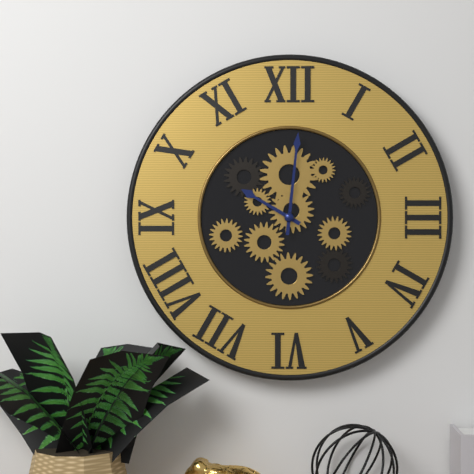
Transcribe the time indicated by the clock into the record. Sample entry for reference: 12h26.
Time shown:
10h01
